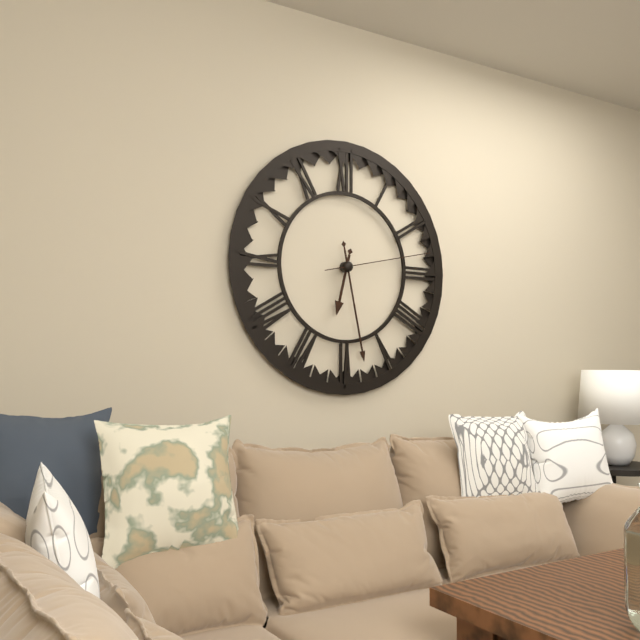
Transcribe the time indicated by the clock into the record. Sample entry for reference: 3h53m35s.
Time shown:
6h28m13s
